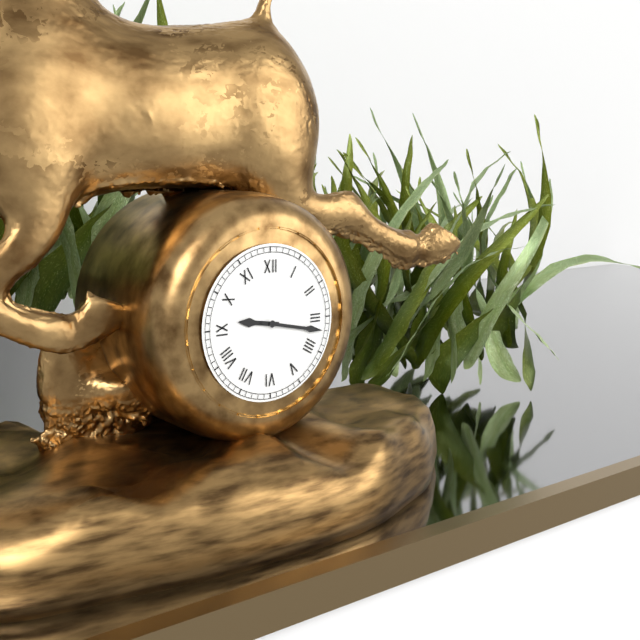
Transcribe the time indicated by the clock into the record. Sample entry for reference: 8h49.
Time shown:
9h17
